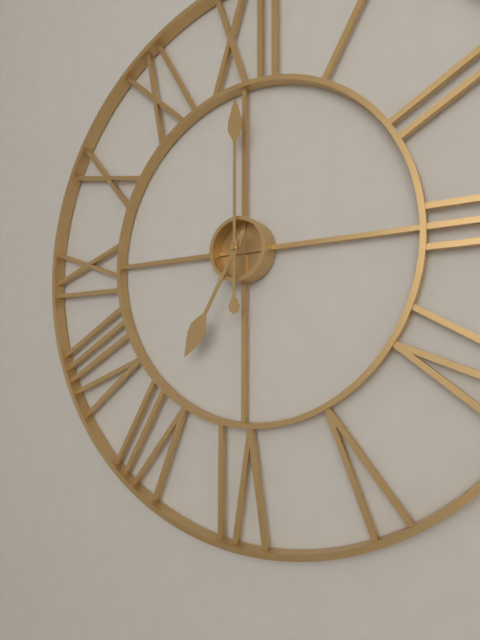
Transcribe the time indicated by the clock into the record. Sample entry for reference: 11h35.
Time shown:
7h00
